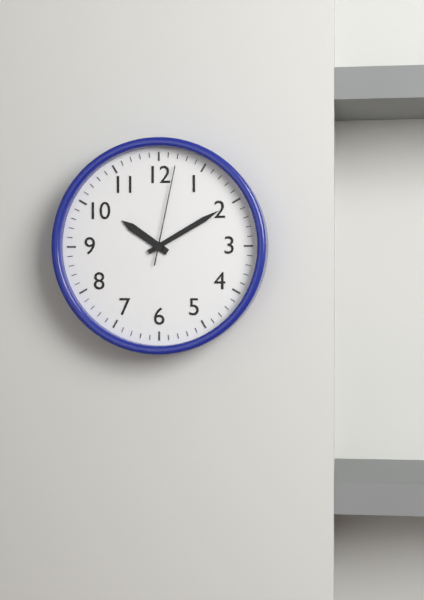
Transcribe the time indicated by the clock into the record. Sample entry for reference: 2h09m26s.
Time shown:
10h10m02s
